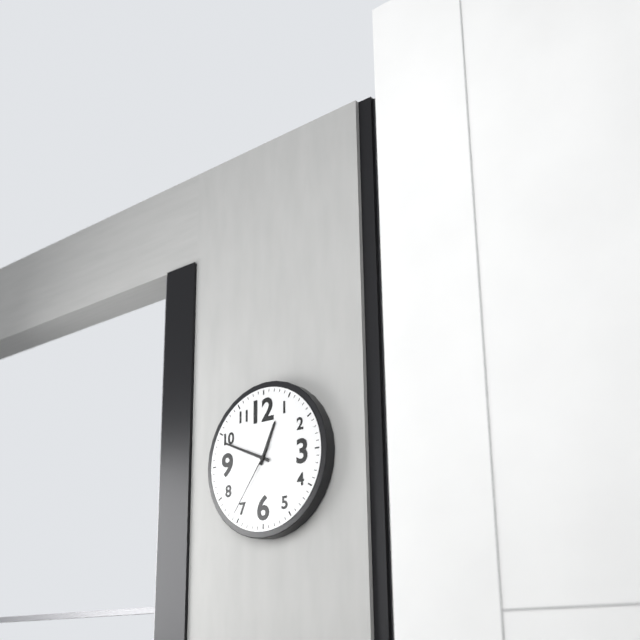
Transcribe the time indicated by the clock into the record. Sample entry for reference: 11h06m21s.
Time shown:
12h49m36s
